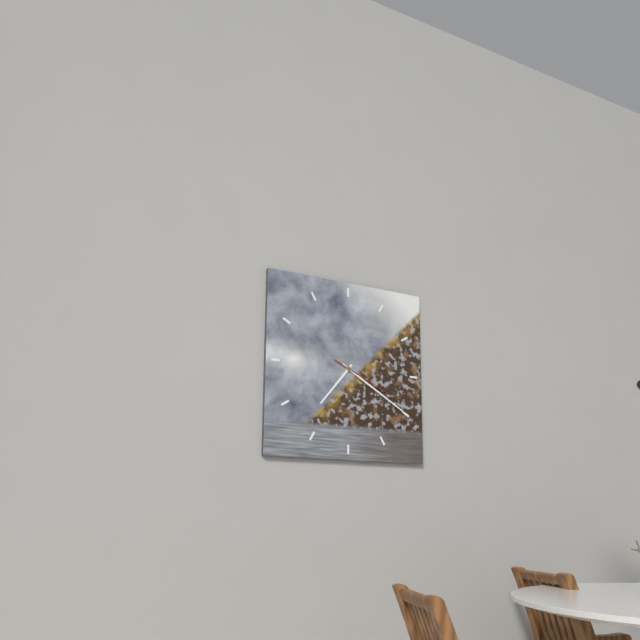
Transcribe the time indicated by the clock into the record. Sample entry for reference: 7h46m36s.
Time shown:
7h20m19s
